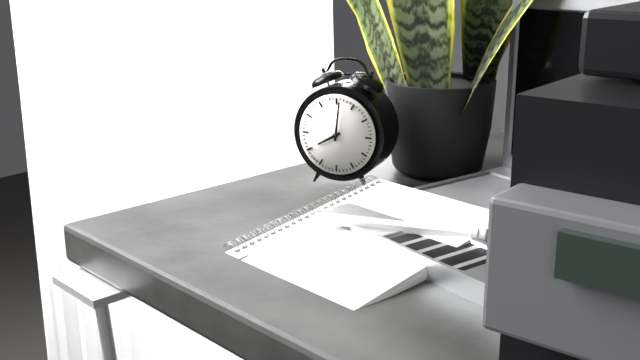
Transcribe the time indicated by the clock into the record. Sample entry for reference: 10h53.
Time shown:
8h01
